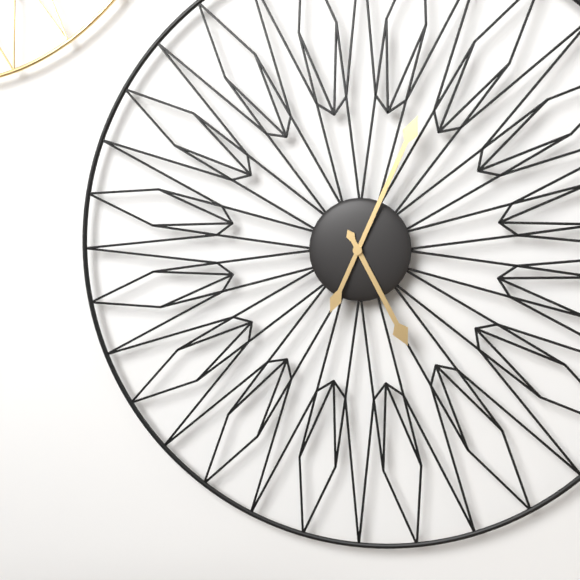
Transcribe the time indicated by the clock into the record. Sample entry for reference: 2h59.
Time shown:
5h04
